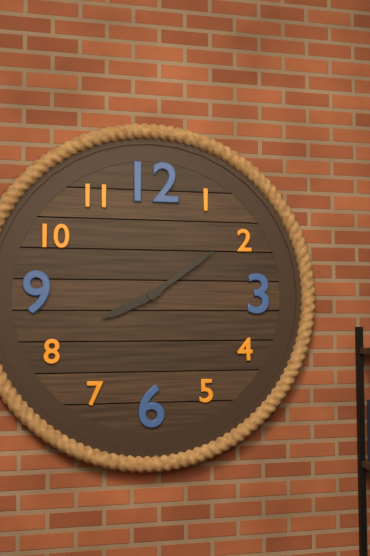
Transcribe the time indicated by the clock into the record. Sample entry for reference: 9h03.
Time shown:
8h09
